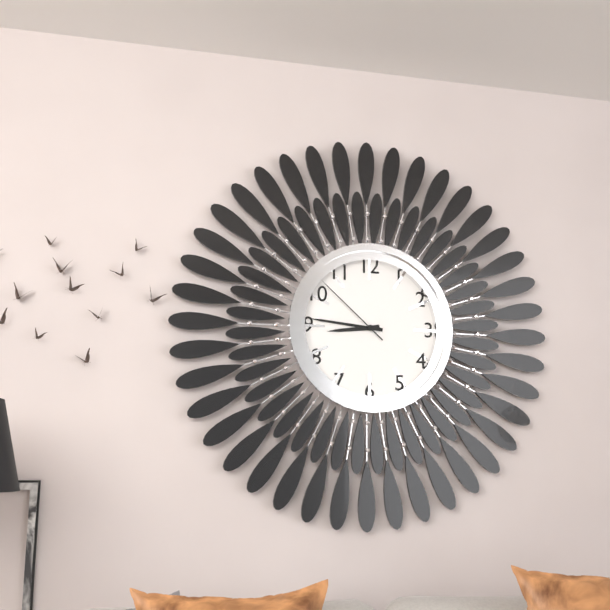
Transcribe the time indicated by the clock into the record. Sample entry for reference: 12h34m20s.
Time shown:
8h46m52s
